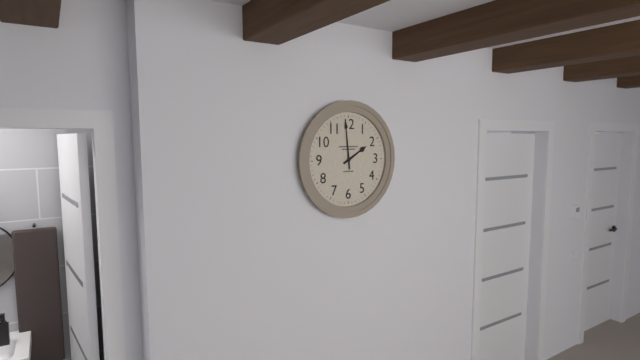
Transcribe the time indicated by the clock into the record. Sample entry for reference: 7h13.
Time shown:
1h59
